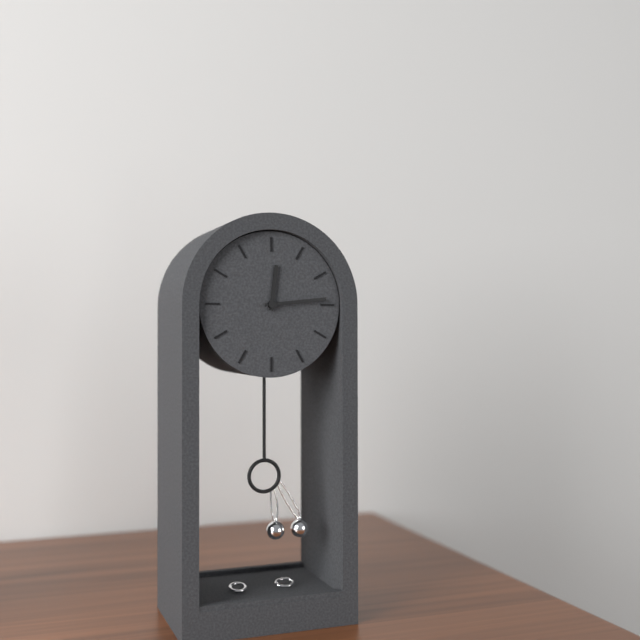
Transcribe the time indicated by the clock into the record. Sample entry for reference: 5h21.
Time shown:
12h14
